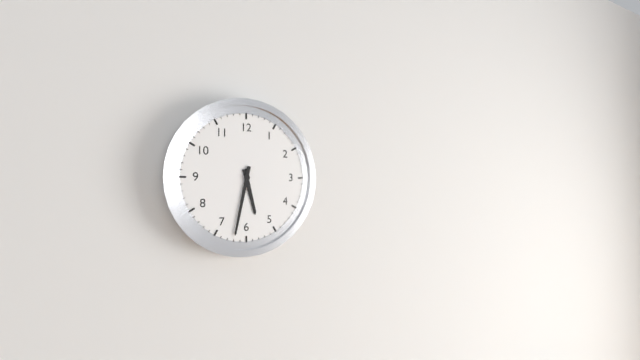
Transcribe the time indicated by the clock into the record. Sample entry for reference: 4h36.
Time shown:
5h32
